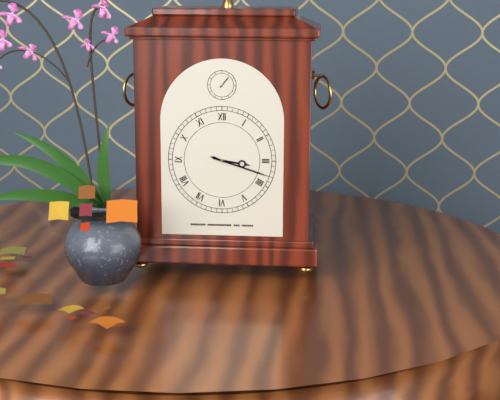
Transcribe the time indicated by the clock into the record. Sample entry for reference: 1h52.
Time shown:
3h18
